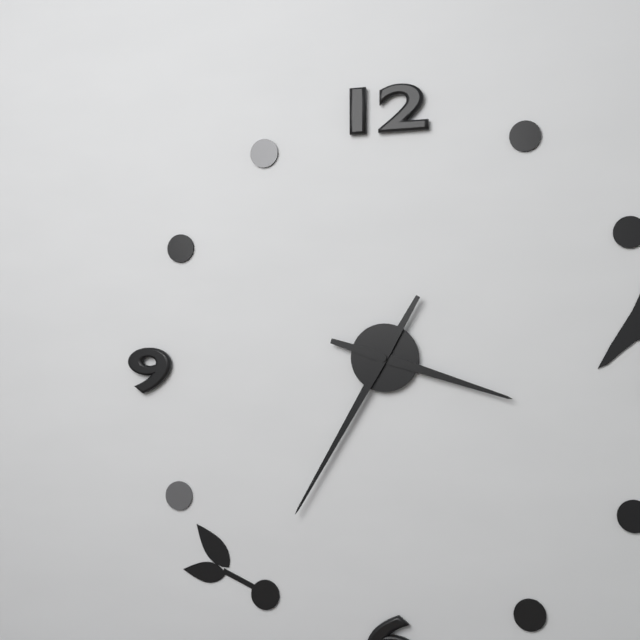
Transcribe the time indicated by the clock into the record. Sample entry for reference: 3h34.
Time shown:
3h35
